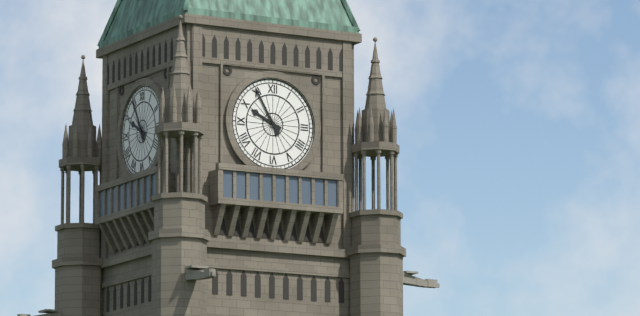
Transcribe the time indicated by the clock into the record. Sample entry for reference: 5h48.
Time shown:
9h55
